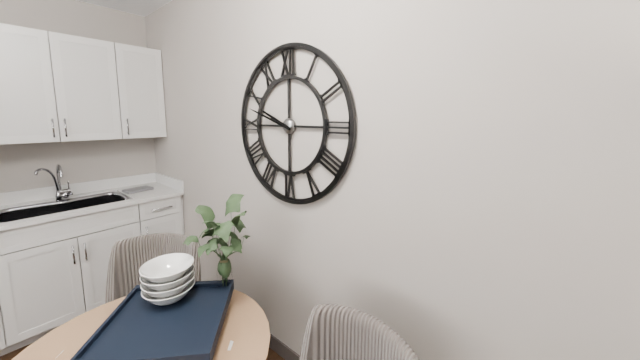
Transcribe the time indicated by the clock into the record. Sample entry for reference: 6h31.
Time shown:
9h48
